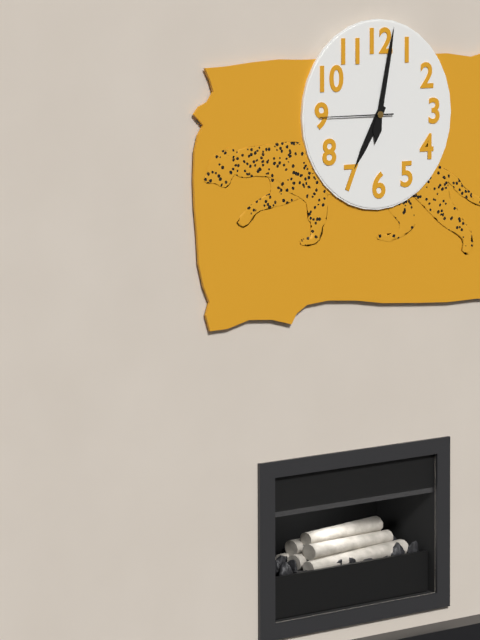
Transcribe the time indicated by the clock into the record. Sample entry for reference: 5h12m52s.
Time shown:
7h02m45s
